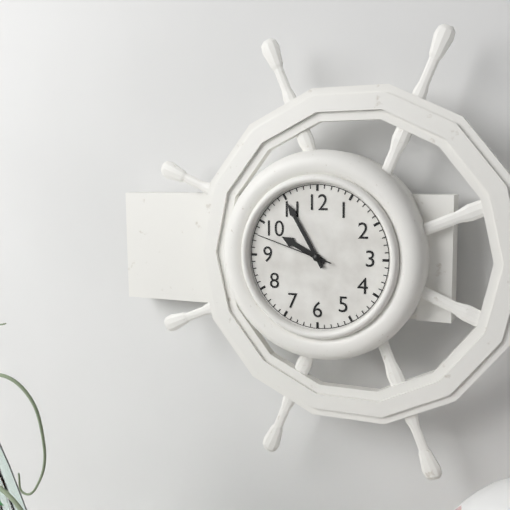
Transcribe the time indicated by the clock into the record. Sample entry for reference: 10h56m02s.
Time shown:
9h55m48s
